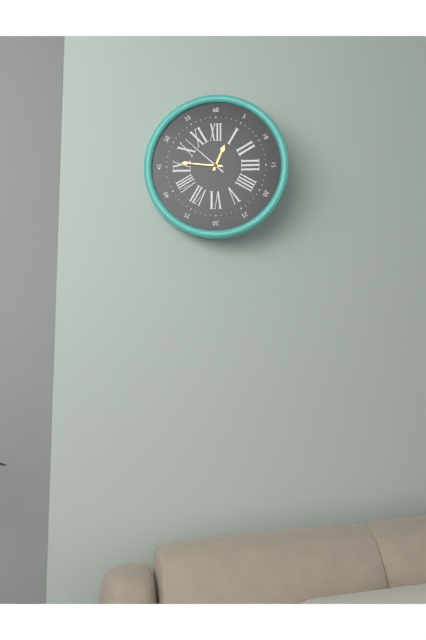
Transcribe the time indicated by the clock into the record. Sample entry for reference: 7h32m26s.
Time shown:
12h46m52s
